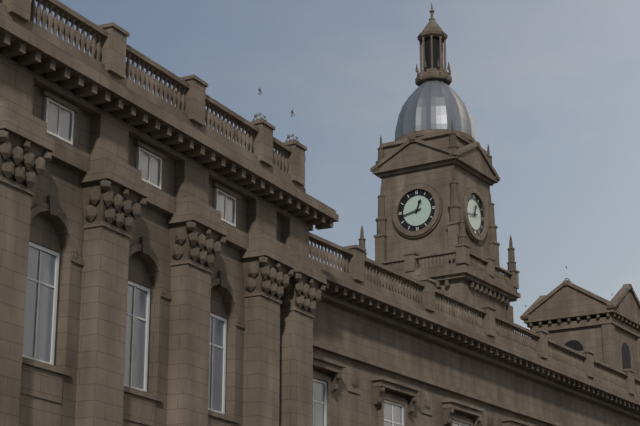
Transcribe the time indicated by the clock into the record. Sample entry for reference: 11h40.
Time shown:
12h43
